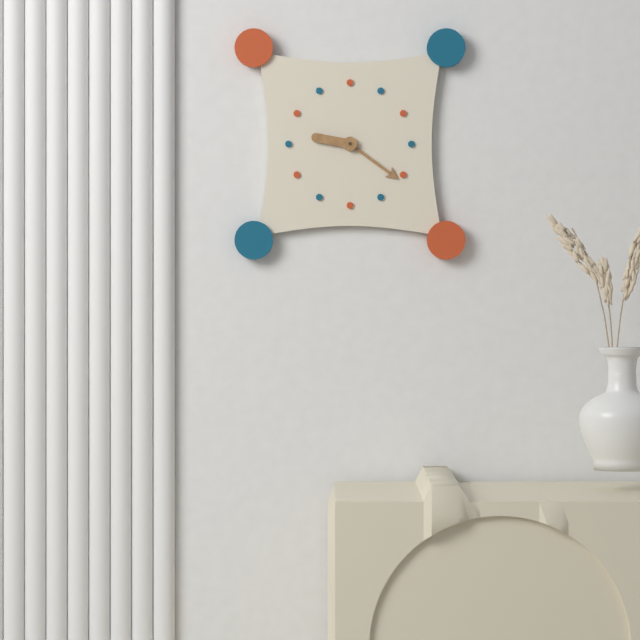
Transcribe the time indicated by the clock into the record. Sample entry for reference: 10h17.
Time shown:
9h21
